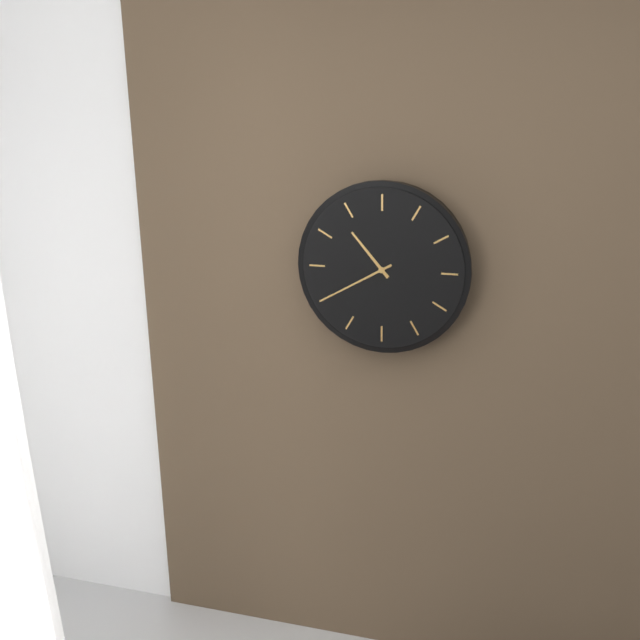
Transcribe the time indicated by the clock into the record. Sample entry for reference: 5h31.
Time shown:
10h40
